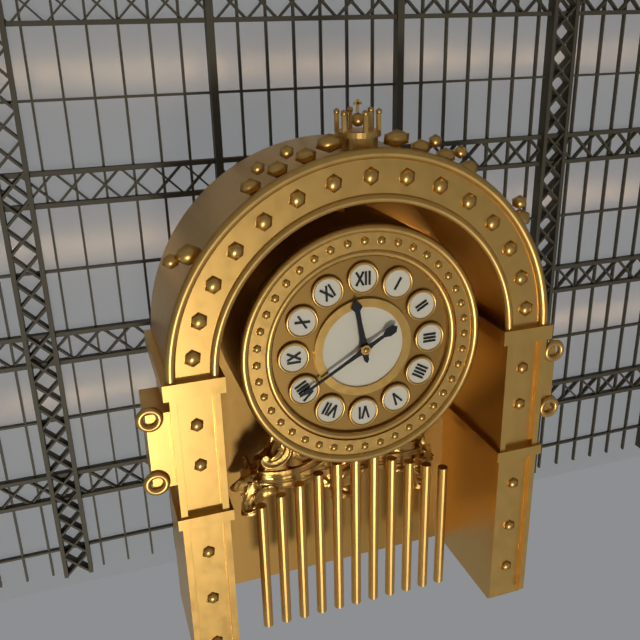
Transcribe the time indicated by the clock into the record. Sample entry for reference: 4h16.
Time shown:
11h40
